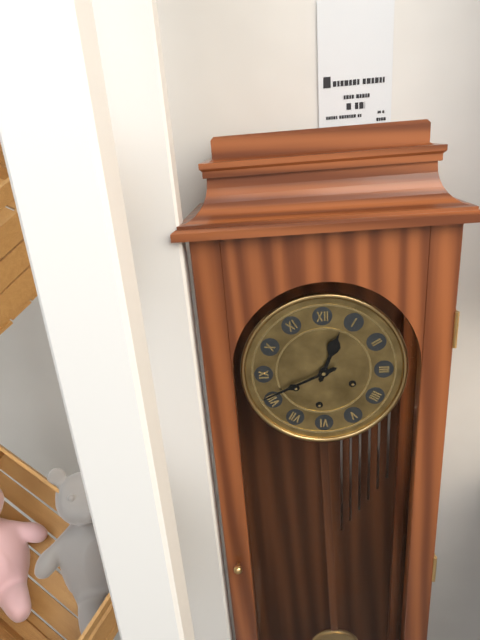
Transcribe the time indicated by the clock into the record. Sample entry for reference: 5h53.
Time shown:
12h41
